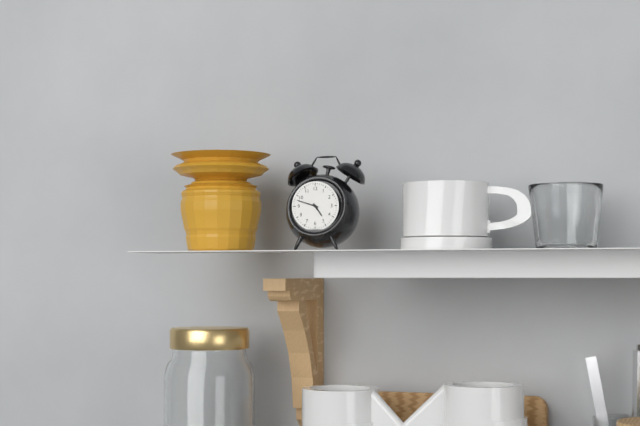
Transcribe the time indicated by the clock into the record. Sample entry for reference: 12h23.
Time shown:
4h48
